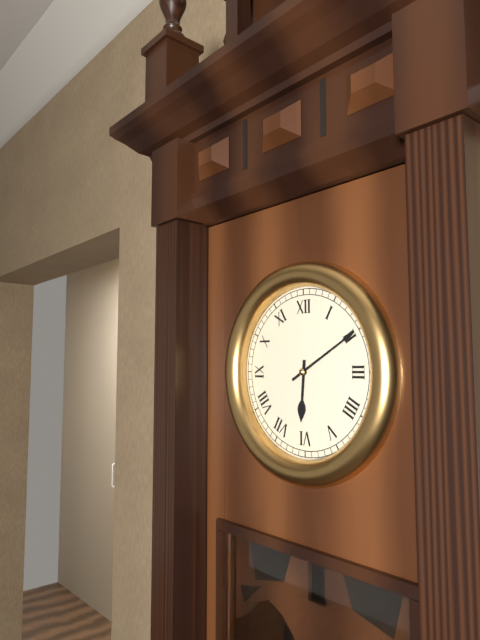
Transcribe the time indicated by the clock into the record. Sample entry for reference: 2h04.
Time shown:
6h10
